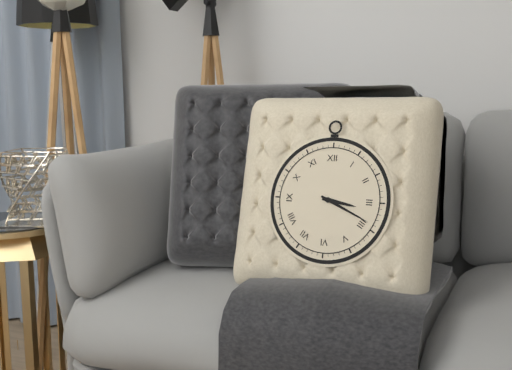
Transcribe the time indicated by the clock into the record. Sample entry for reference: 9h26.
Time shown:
3h19
